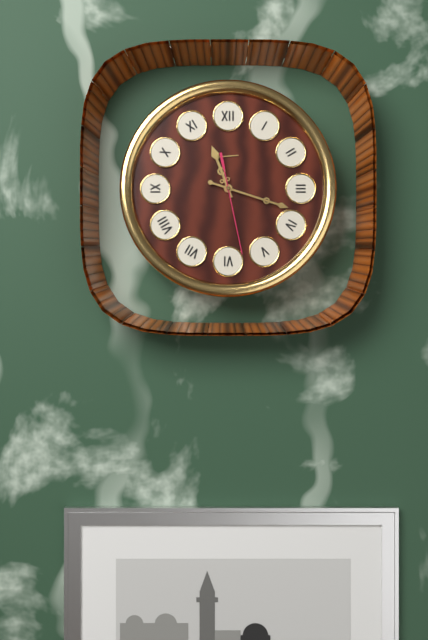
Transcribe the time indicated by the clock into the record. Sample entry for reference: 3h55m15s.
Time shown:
11h18m28s
